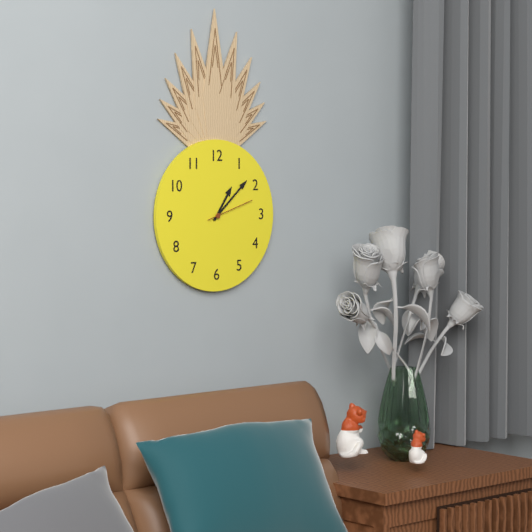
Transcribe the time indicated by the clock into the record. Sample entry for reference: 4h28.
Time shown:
1h08
